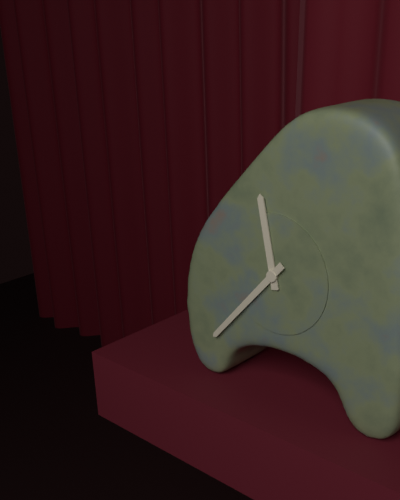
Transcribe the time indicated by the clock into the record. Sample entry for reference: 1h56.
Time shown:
11h37
